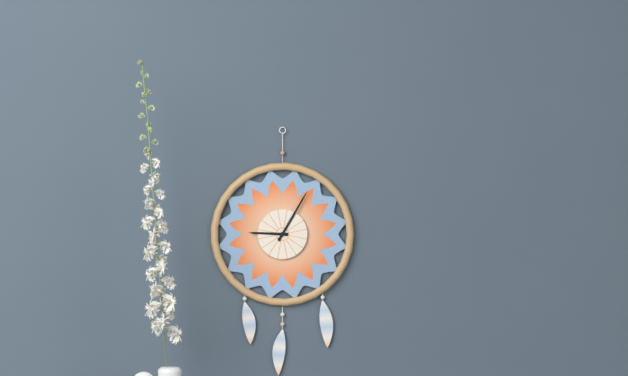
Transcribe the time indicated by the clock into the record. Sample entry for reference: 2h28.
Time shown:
9h05
